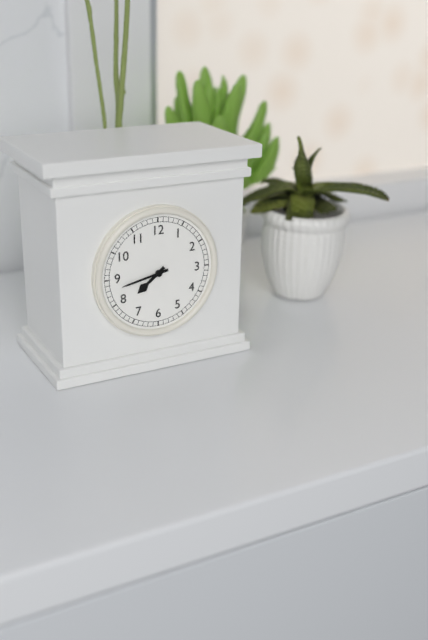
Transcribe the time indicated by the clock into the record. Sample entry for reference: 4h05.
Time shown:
7h43
